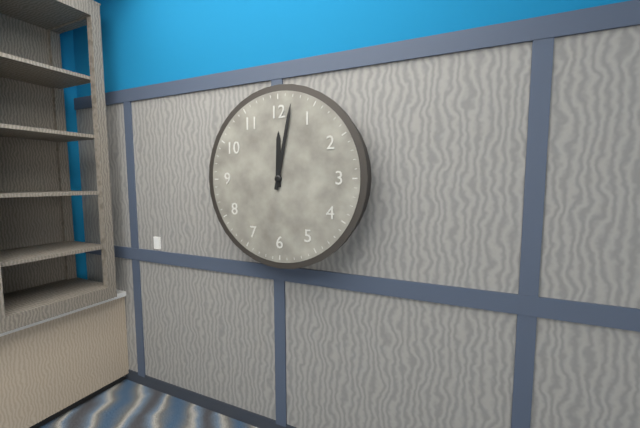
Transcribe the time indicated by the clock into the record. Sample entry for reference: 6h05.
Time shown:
12h02
